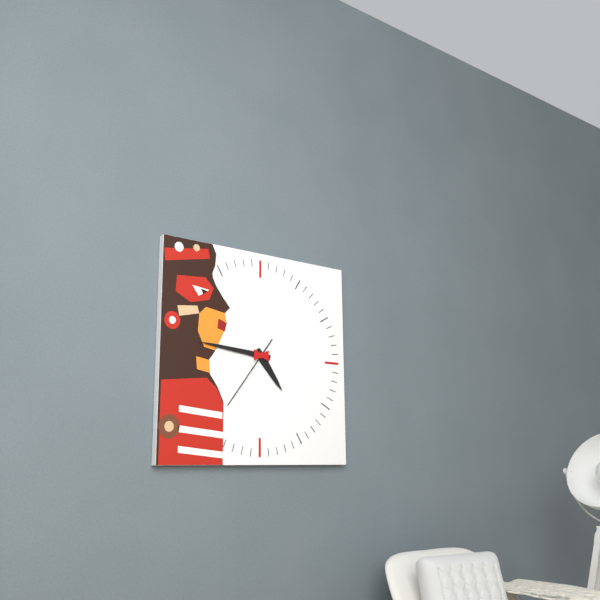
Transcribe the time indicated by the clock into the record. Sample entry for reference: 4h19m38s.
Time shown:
4h46m36s
